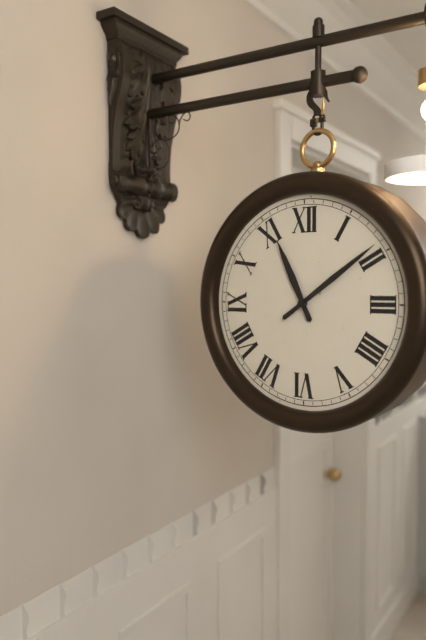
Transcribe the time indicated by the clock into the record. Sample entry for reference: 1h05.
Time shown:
11h09
